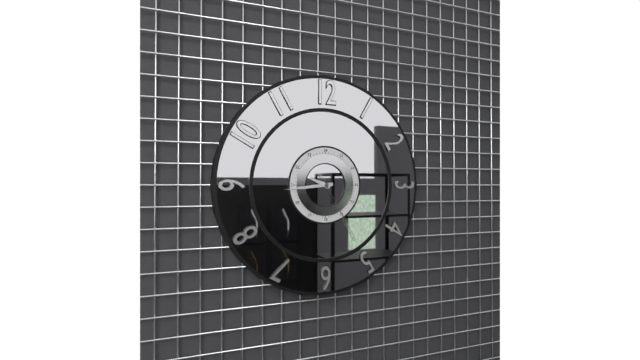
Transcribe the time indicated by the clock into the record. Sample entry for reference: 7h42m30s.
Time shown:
9h44m25s
